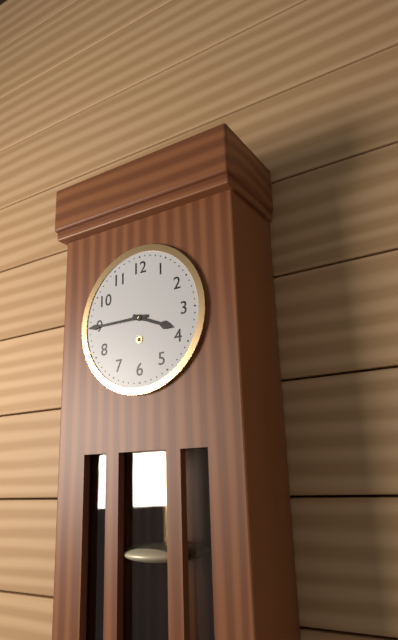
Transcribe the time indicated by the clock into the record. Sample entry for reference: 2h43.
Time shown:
3h45
